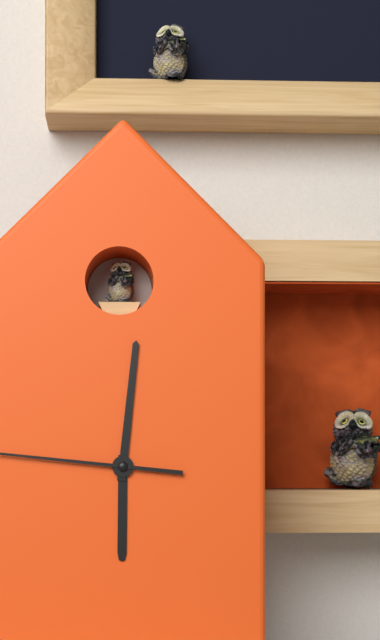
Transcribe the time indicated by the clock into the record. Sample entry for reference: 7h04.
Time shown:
6h01
